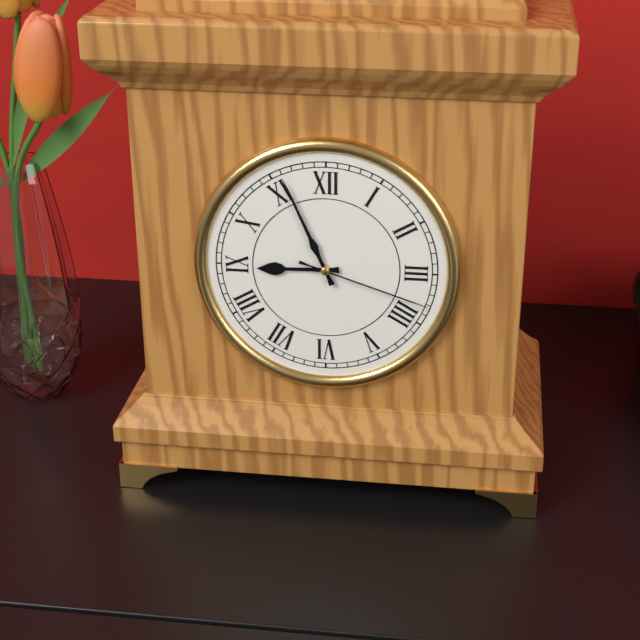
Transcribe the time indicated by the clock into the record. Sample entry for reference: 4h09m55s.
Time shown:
8h56m18s
